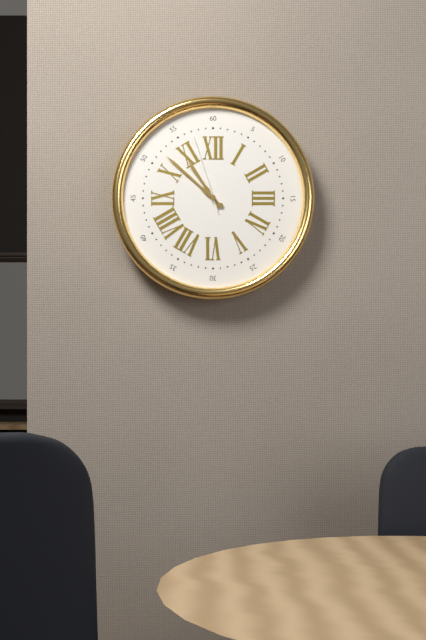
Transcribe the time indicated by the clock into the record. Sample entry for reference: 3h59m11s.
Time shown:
10h52m57s
